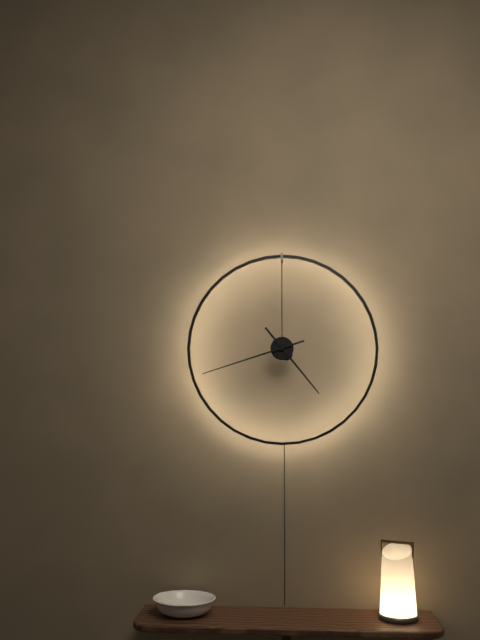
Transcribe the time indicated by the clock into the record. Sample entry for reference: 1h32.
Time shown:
4h42
